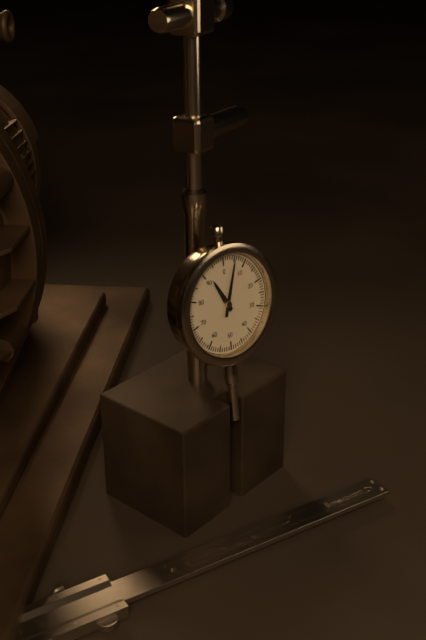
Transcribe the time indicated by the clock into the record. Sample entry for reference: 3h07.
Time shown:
11h03
